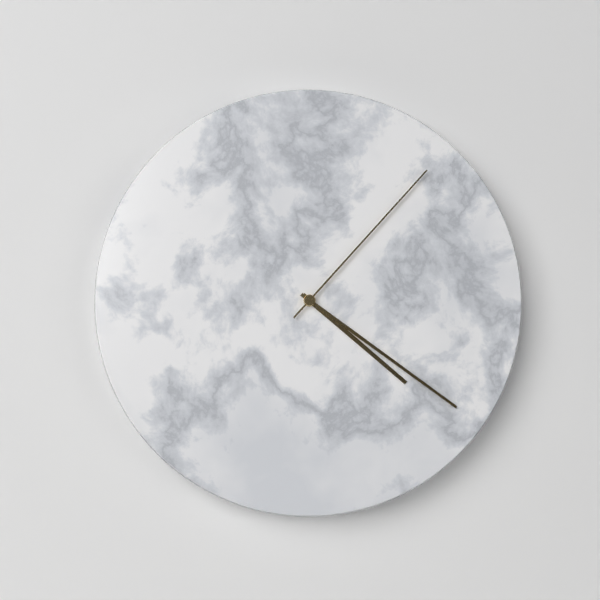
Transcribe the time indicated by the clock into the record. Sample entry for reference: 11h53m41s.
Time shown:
4h21m07s
